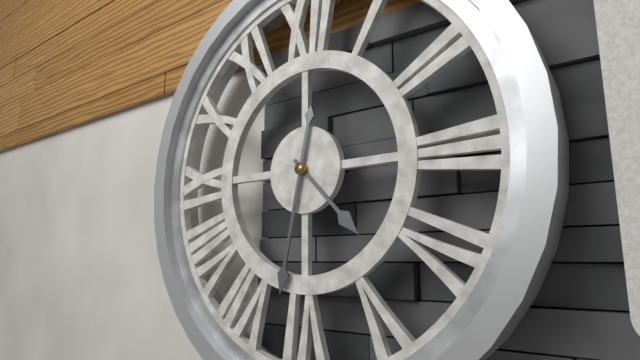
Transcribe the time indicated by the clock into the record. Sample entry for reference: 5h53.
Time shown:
4h32
